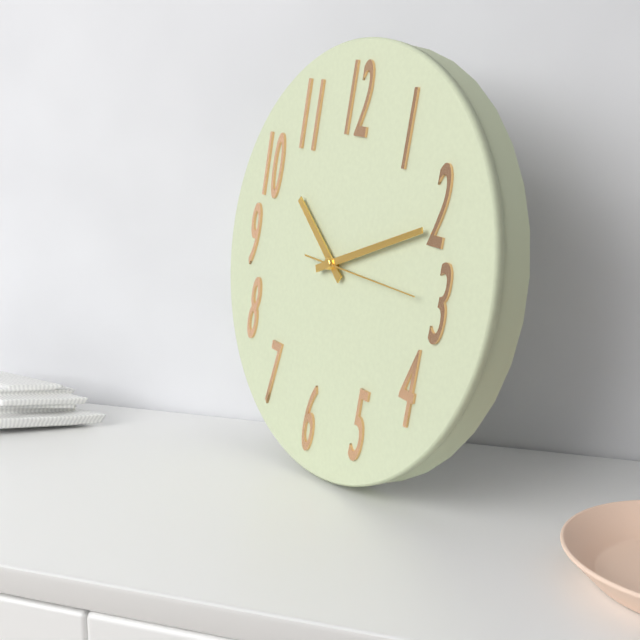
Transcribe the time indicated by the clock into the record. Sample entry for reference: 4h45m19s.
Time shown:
10h11m15s
